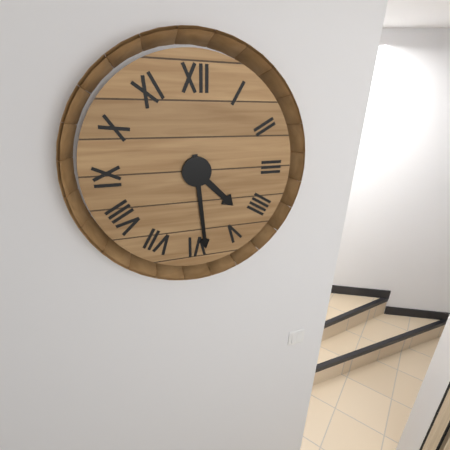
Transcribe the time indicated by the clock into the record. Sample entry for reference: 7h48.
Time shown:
4h29
